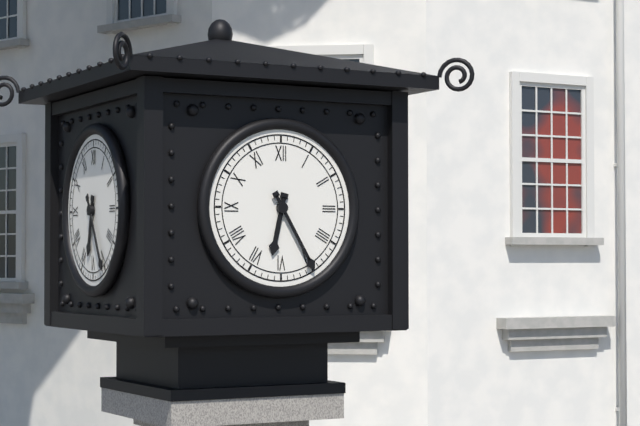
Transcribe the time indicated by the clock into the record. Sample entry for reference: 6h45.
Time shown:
6h25
